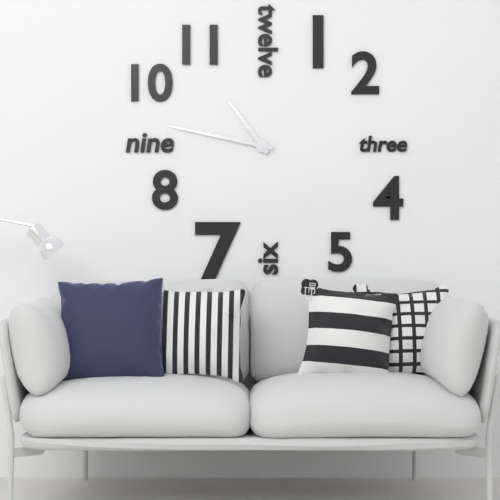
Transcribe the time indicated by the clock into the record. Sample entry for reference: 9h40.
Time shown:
10h47
